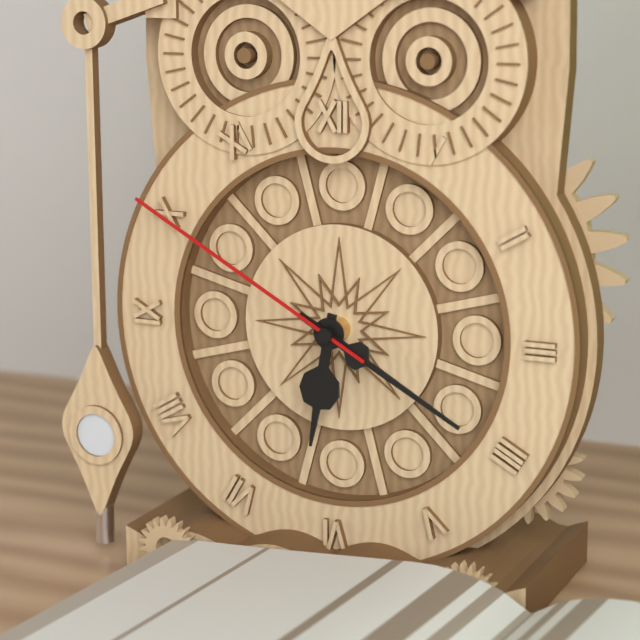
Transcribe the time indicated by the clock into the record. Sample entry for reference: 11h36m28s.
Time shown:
6h20m50s
